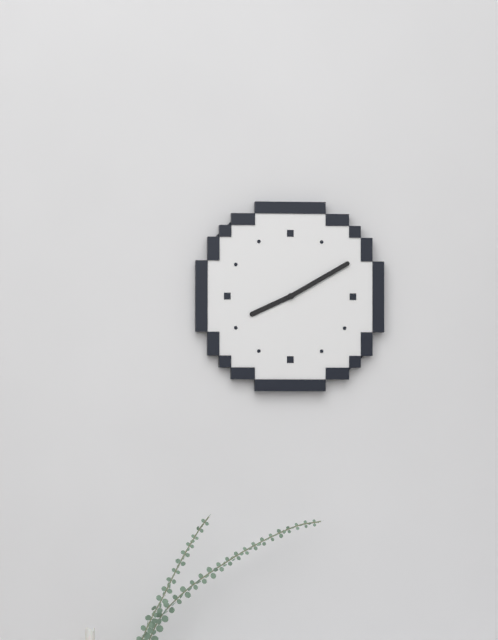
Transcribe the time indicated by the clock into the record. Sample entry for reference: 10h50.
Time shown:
8h10
